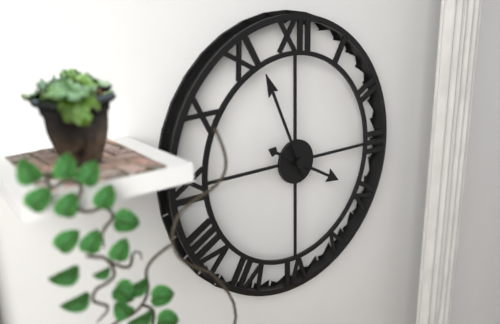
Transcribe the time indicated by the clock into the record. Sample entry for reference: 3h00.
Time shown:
3h56
